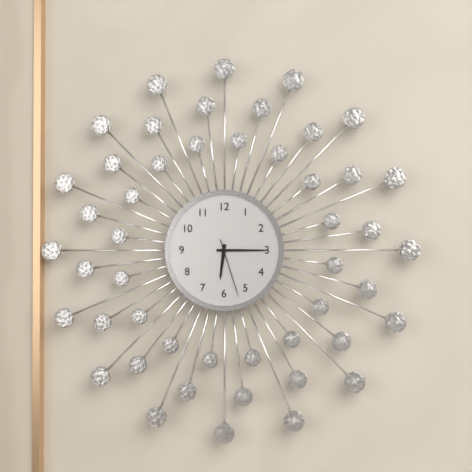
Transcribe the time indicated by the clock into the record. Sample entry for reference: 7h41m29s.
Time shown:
6h15m27s
